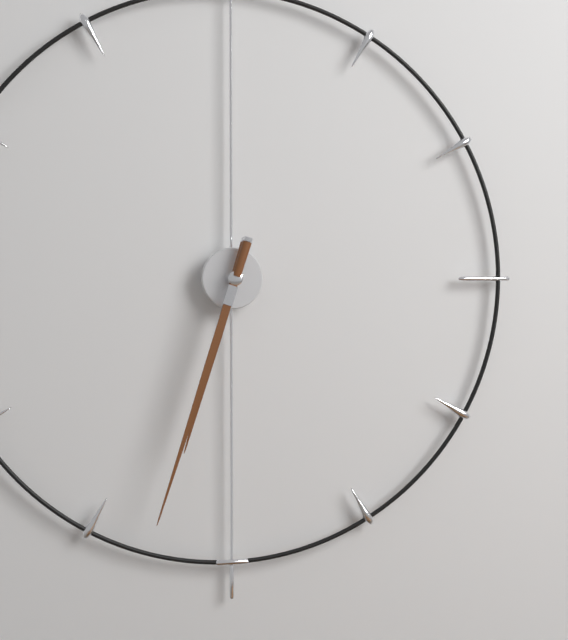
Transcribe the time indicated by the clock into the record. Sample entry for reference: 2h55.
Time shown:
6h33
